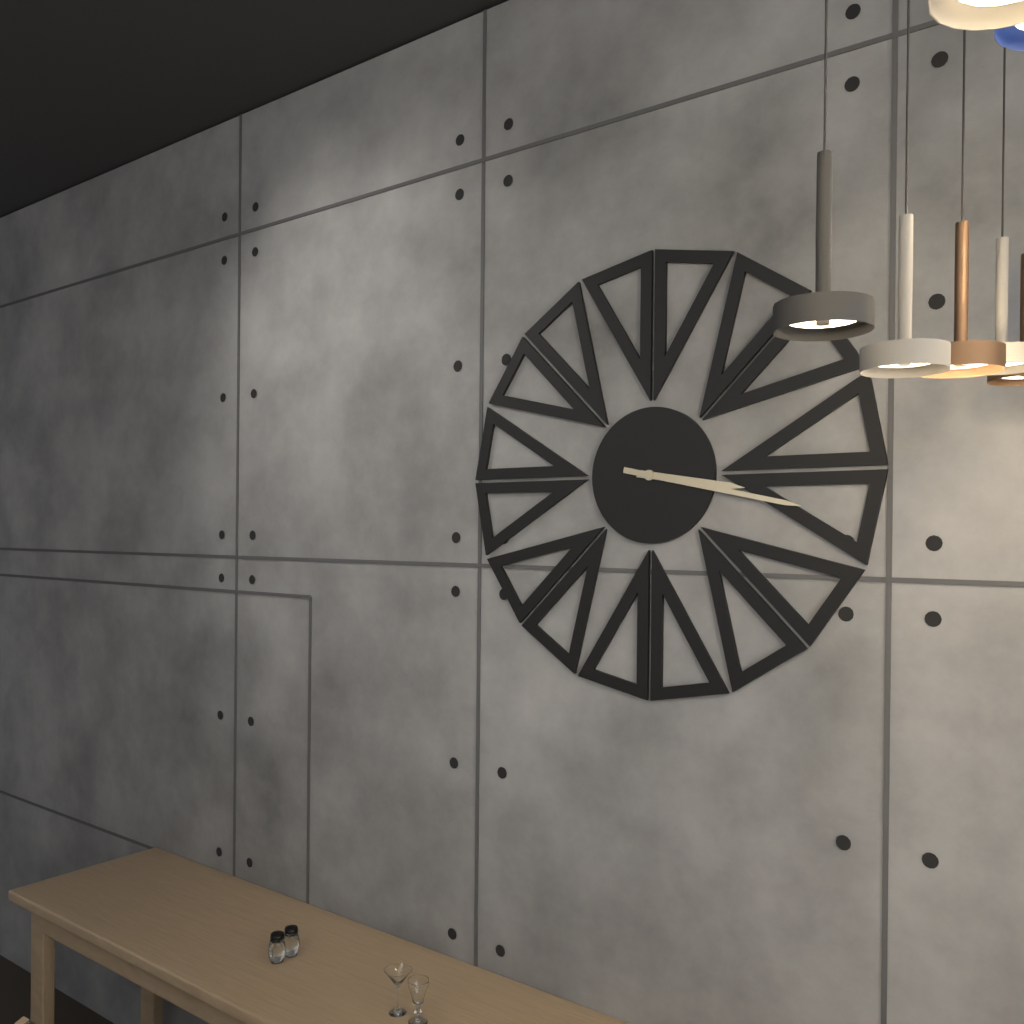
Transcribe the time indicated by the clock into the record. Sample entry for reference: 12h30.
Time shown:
3h17
